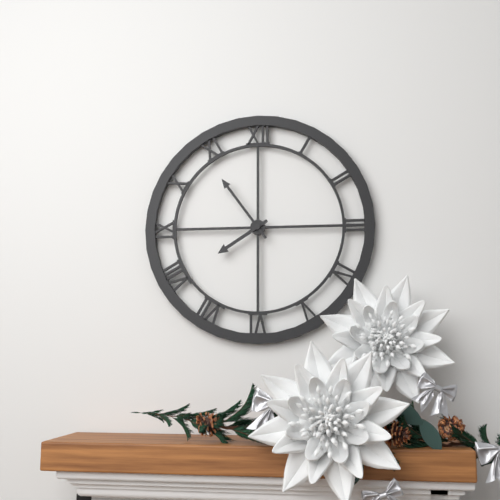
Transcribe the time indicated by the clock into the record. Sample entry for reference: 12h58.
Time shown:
7h54
